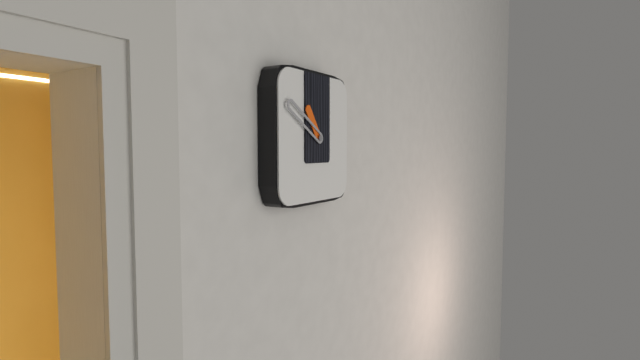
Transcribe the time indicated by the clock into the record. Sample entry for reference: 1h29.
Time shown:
10h50
